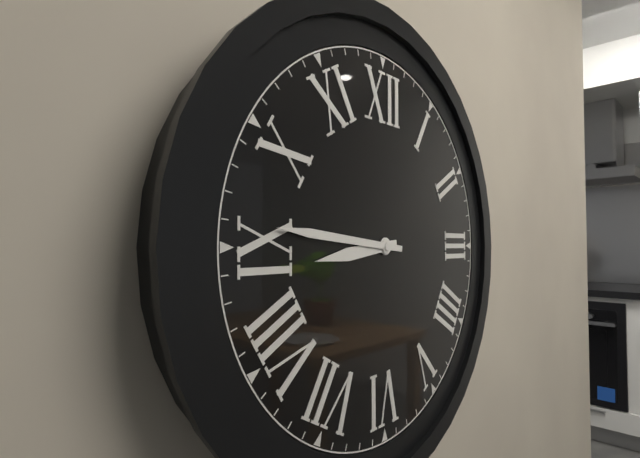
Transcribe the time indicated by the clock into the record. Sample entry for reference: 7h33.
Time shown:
8h46
